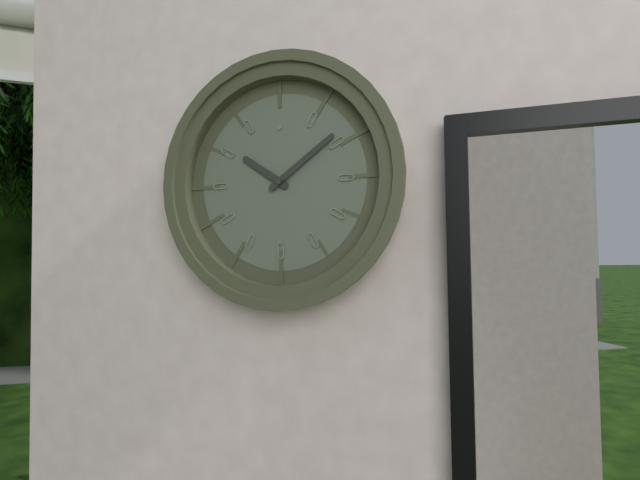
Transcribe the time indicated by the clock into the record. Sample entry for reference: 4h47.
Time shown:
10h09
